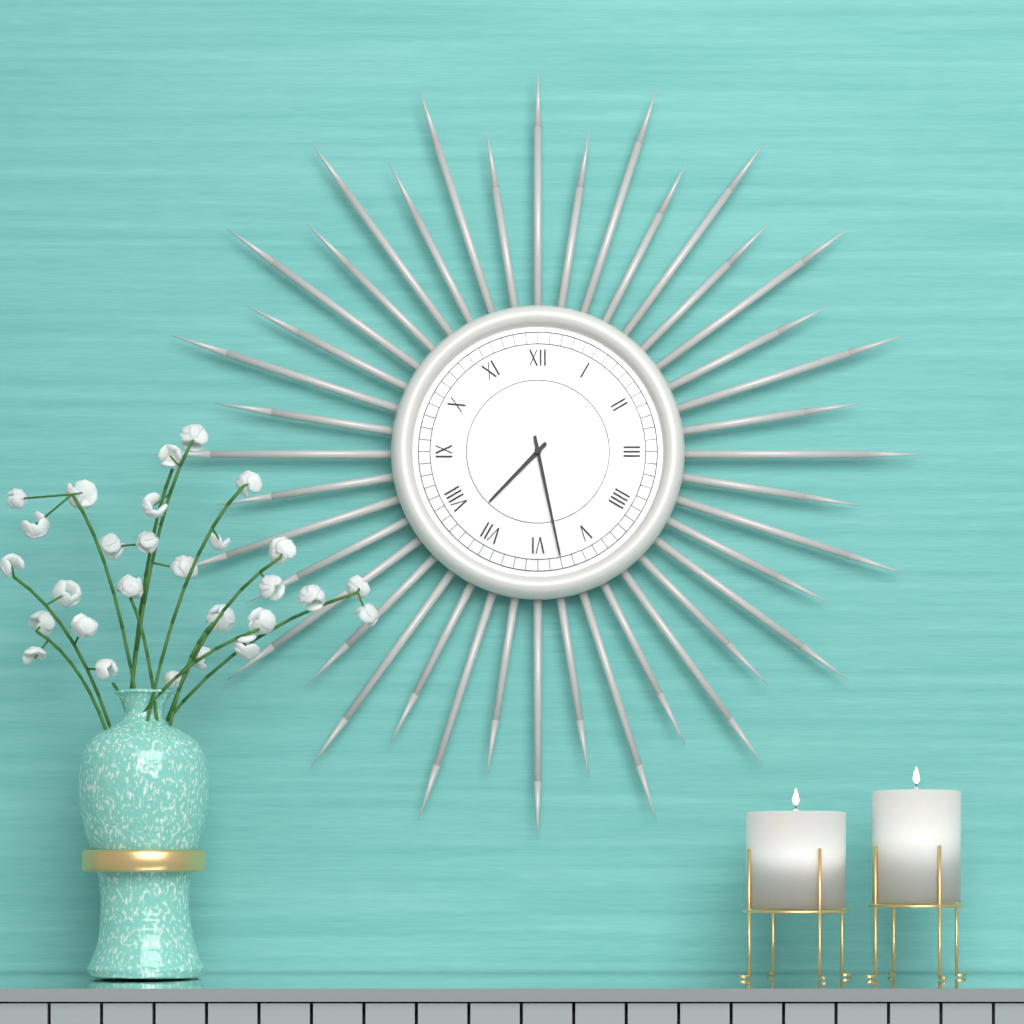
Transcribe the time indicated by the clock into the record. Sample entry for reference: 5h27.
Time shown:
7h28
